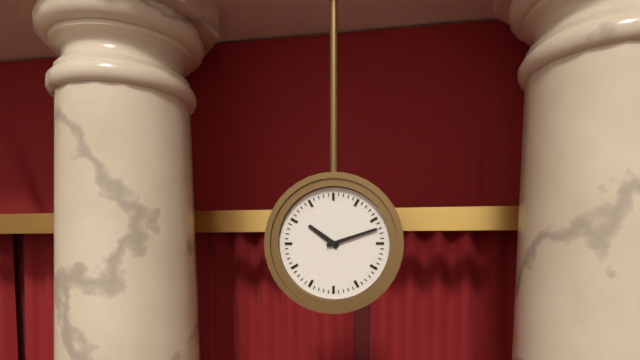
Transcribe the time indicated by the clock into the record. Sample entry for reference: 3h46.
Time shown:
10h12
